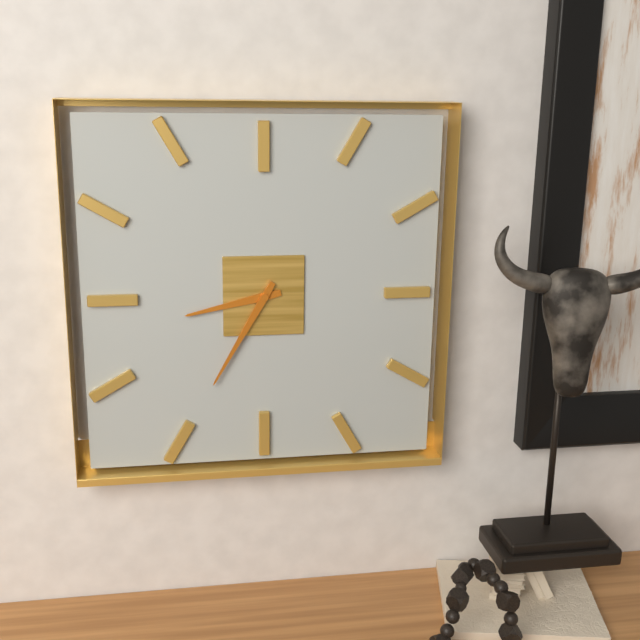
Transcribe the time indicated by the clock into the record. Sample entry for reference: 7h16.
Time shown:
8h35
